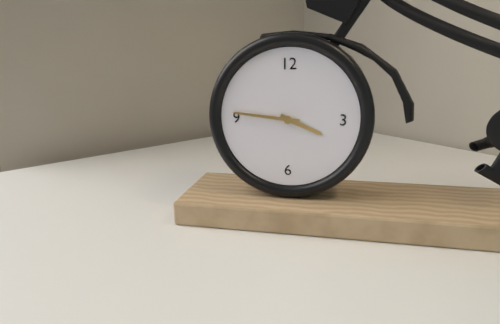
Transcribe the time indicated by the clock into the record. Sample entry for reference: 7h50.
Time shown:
3h46
